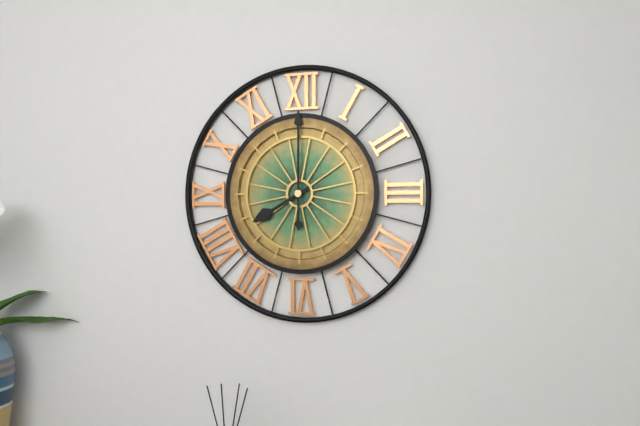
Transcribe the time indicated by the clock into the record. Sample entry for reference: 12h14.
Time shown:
8h00
